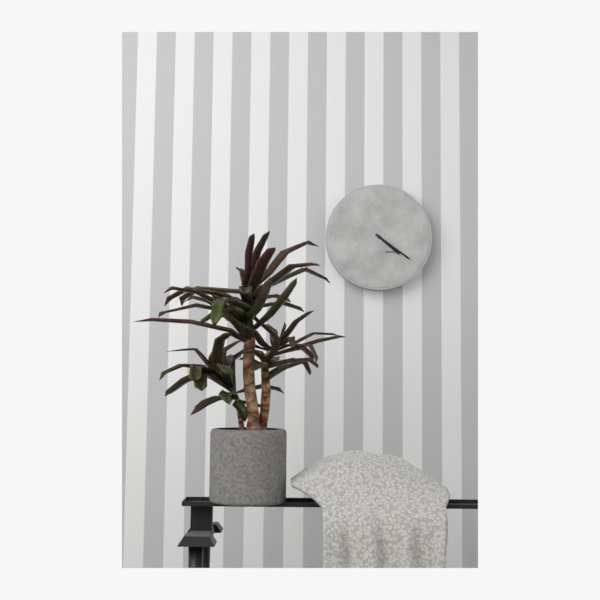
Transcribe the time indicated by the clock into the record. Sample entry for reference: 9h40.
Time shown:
4h21
